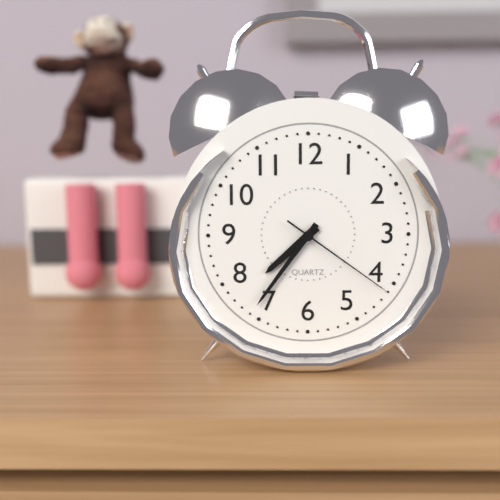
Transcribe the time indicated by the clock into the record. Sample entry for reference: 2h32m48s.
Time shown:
7h36m21s
